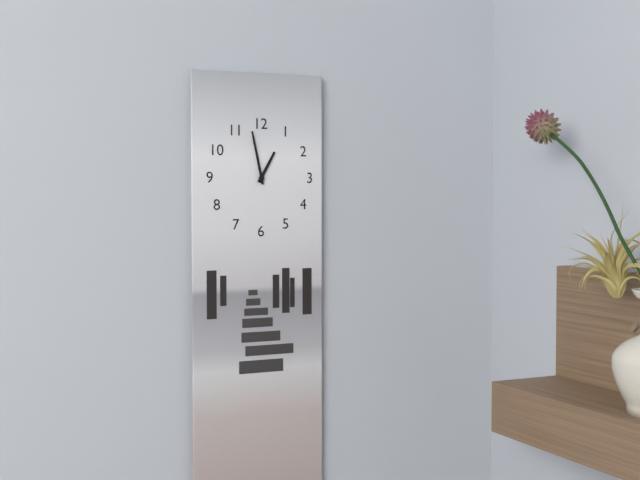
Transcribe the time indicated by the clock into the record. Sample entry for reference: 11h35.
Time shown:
12h58
